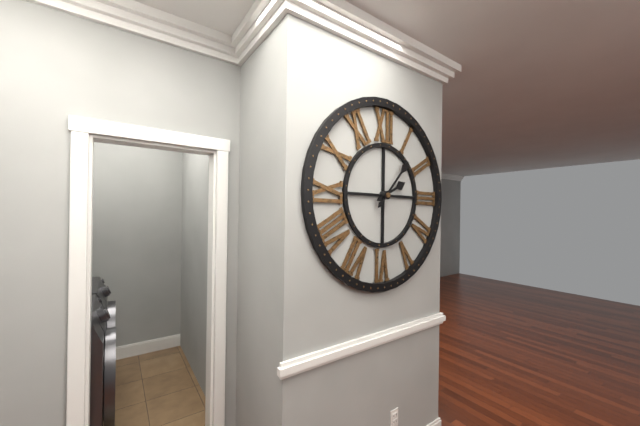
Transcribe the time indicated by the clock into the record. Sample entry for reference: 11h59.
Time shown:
2h07
